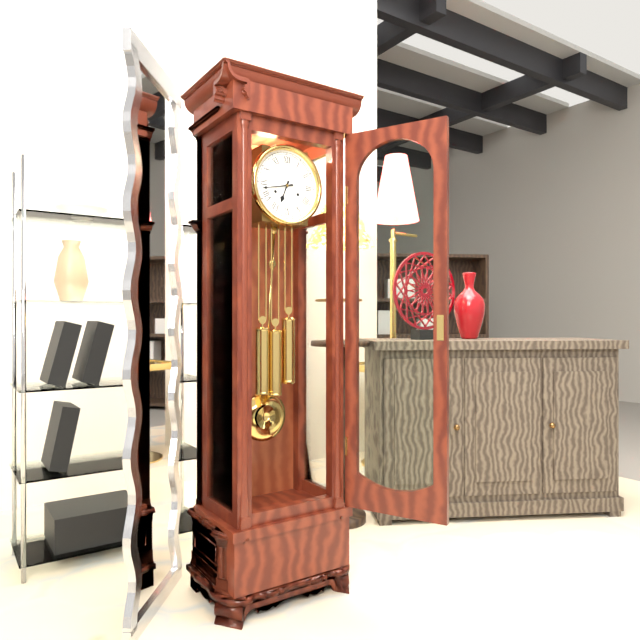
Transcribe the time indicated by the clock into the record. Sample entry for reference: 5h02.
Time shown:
6h43
